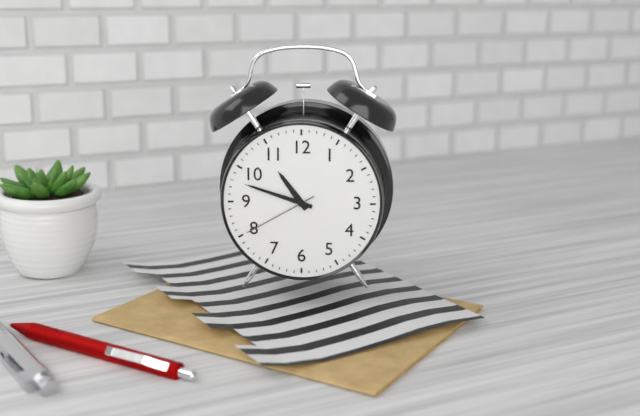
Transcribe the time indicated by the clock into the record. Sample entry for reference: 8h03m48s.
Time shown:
10h48m40s
